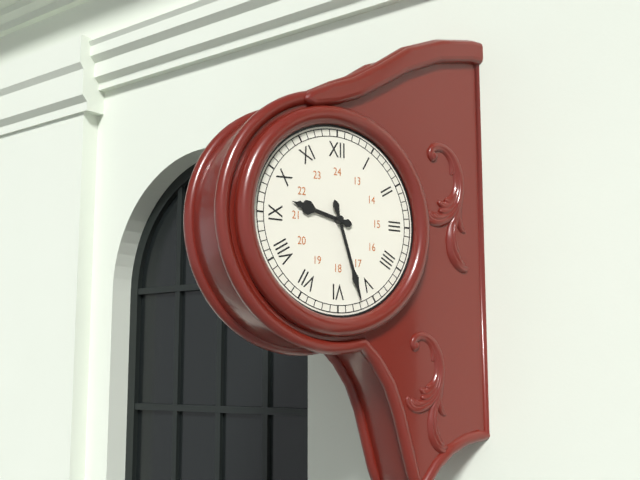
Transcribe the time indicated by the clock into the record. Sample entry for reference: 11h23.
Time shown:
9h27
